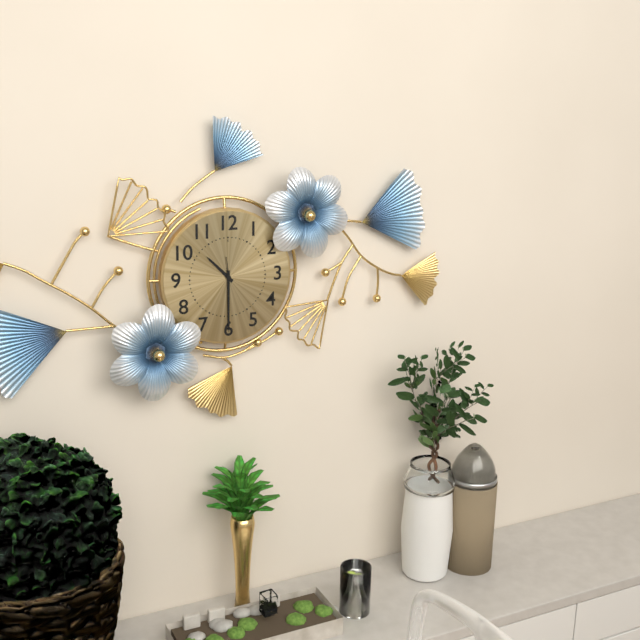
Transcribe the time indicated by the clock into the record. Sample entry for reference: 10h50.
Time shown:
10h30
